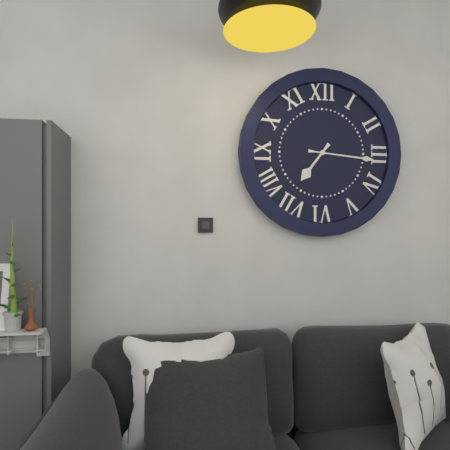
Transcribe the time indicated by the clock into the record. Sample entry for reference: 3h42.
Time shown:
7h16
